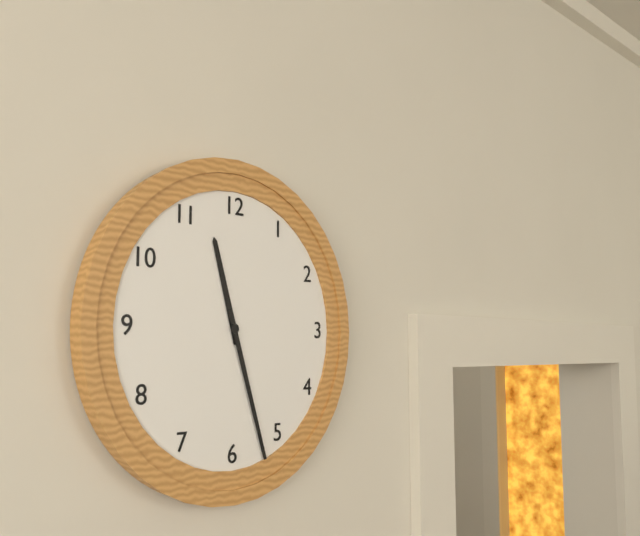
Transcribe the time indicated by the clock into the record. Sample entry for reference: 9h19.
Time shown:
11h27
